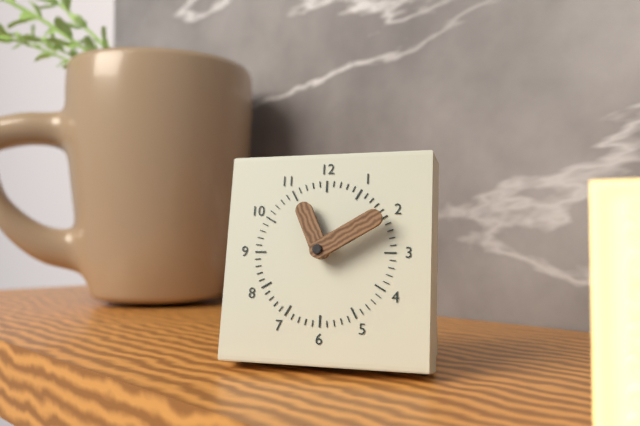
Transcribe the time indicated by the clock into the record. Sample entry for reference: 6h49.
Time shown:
11h10
